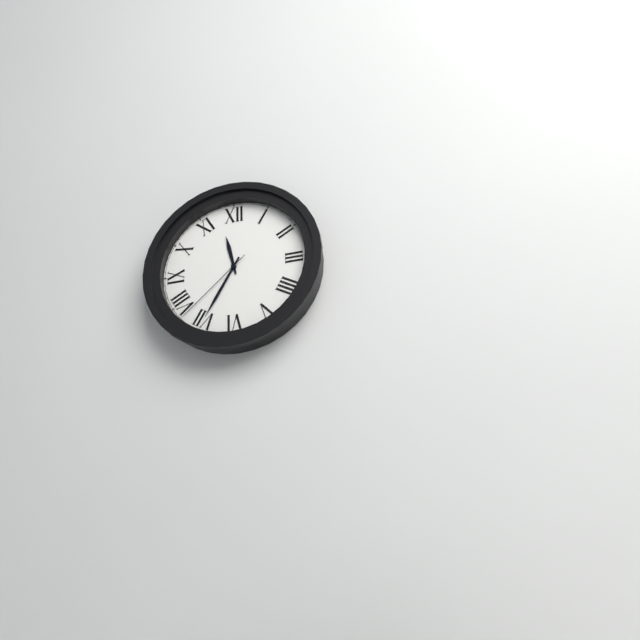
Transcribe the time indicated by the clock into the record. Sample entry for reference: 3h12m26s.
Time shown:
11h35m38s
